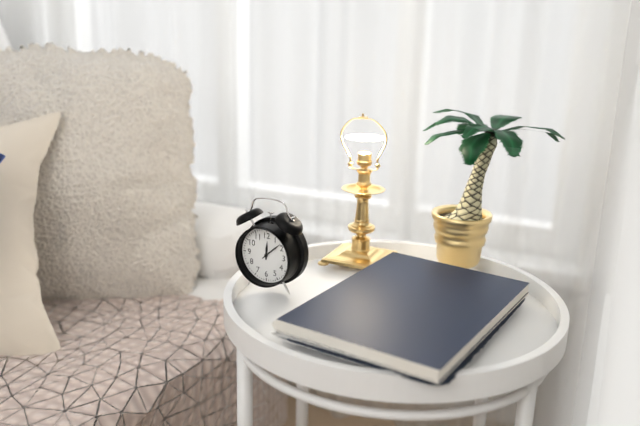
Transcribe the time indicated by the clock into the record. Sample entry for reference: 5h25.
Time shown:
12h08
